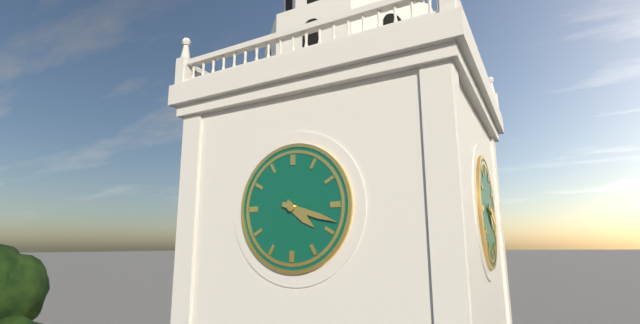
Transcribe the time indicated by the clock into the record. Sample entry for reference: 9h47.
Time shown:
4h18
